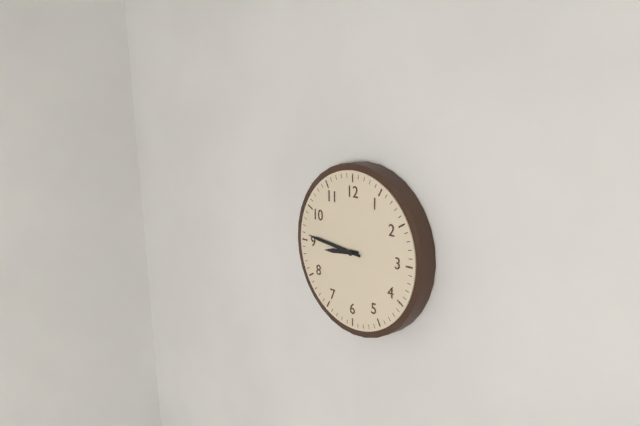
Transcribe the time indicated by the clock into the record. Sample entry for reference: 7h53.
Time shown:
8h46
